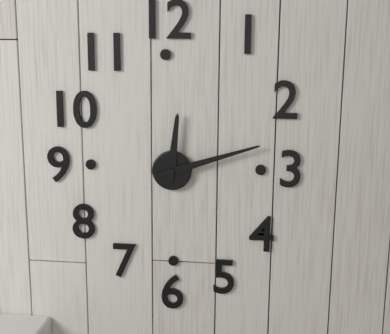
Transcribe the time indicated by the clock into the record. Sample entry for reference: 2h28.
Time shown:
12h12
